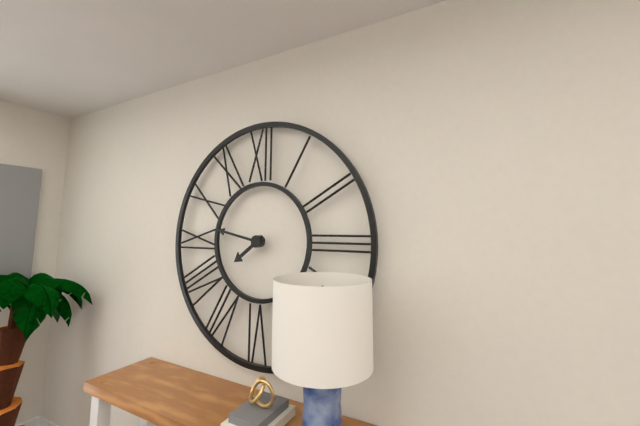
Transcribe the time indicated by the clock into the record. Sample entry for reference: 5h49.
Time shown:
7h47
